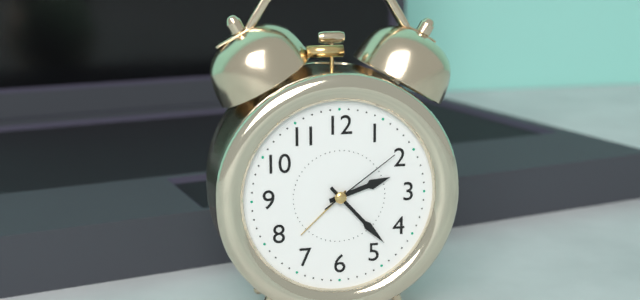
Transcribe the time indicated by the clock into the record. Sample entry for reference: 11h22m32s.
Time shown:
2h23m09s
